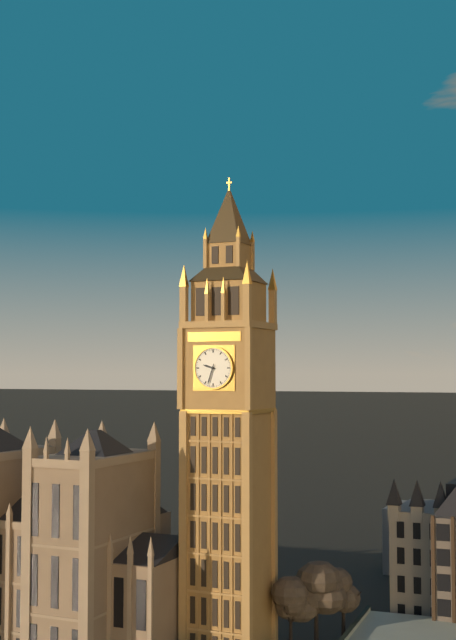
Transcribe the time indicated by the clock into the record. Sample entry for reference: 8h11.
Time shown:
9h33
